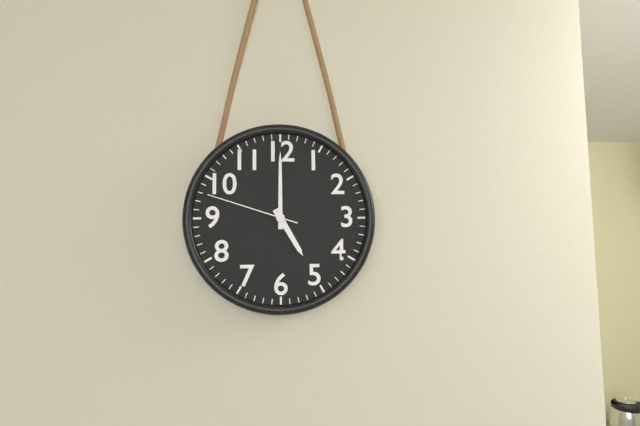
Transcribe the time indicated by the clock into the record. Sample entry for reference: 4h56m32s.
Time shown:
5h00m48s
